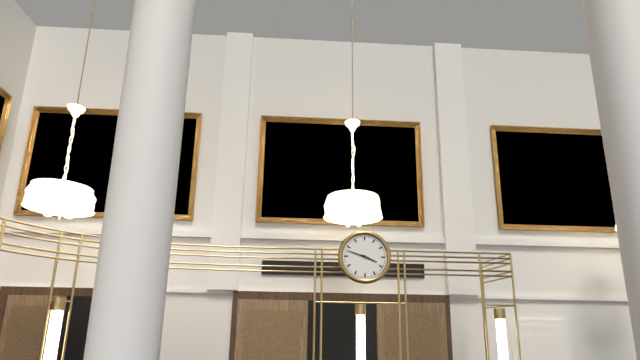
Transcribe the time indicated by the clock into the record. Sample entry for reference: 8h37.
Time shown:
3h48
